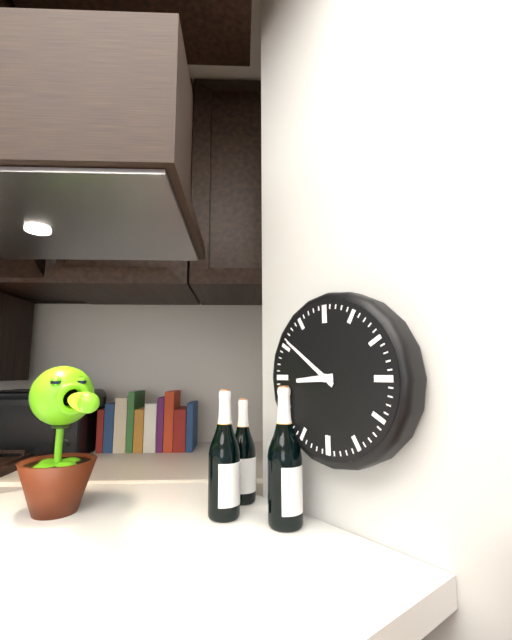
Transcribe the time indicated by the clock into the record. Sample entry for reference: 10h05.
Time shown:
8h51
